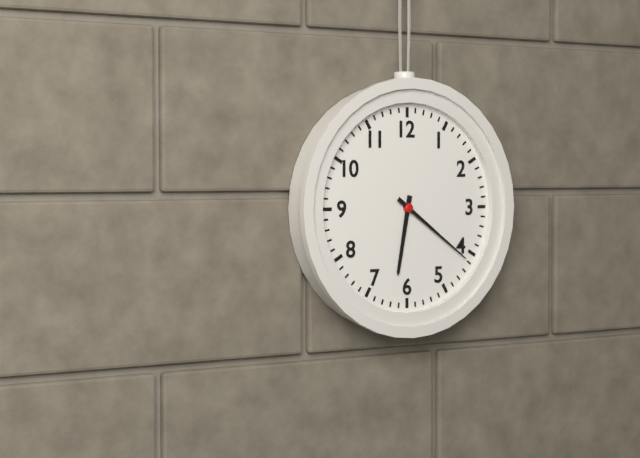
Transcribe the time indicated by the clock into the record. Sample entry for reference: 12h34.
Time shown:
6h21
